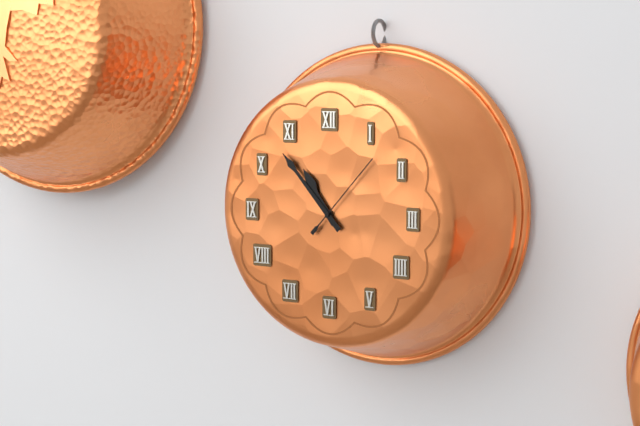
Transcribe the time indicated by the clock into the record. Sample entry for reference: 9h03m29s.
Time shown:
10h53m07s
